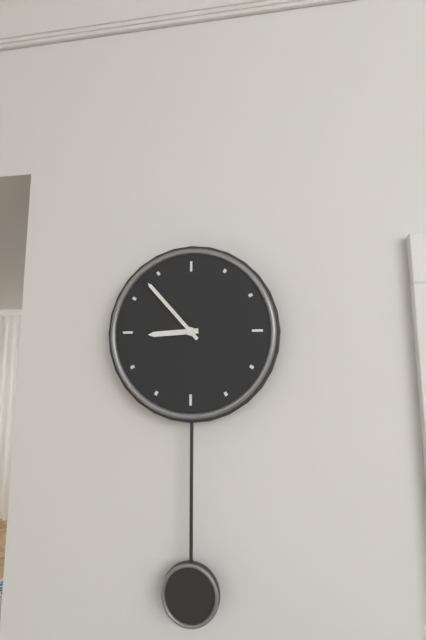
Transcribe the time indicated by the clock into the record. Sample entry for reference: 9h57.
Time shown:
8h53
